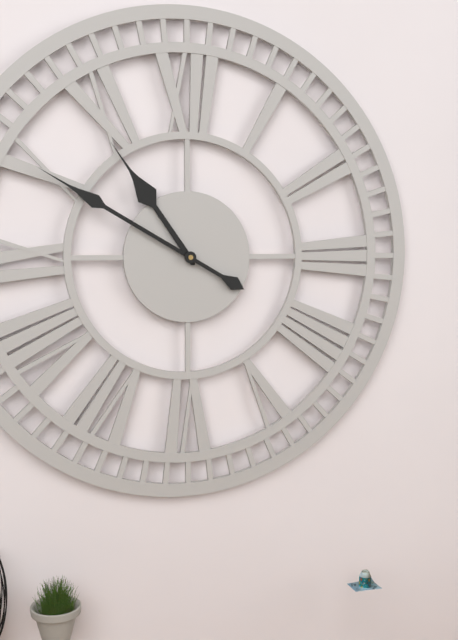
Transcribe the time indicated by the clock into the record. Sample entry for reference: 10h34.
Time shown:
10h50
